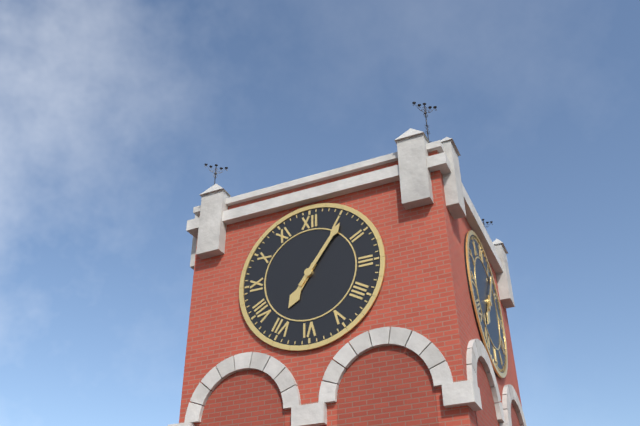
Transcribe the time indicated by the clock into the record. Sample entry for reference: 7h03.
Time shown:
7h06
